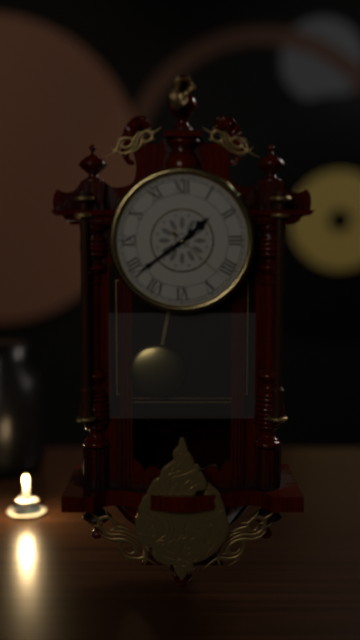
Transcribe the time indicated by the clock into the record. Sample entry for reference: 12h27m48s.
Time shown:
1h39m22s
